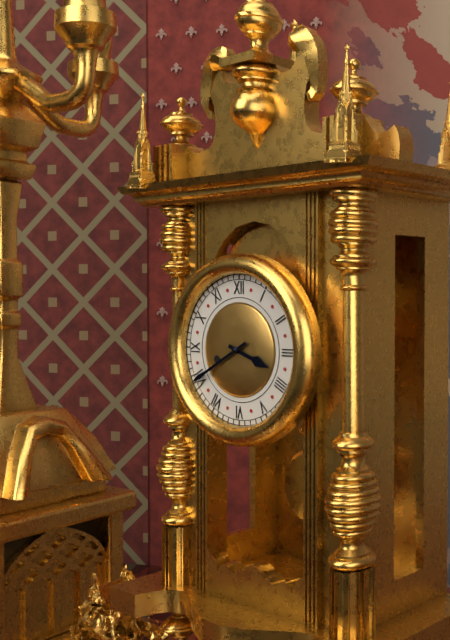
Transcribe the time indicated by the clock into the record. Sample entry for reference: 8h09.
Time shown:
3h40
